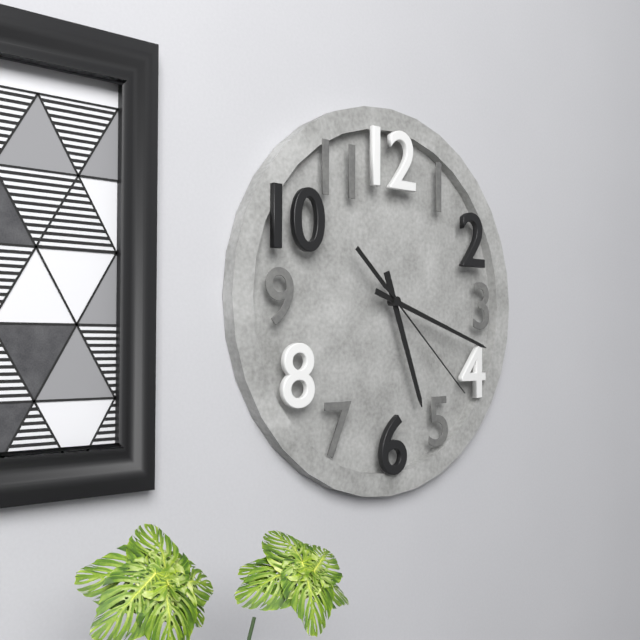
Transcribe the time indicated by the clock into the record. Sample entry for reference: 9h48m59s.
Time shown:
5h18m22s
